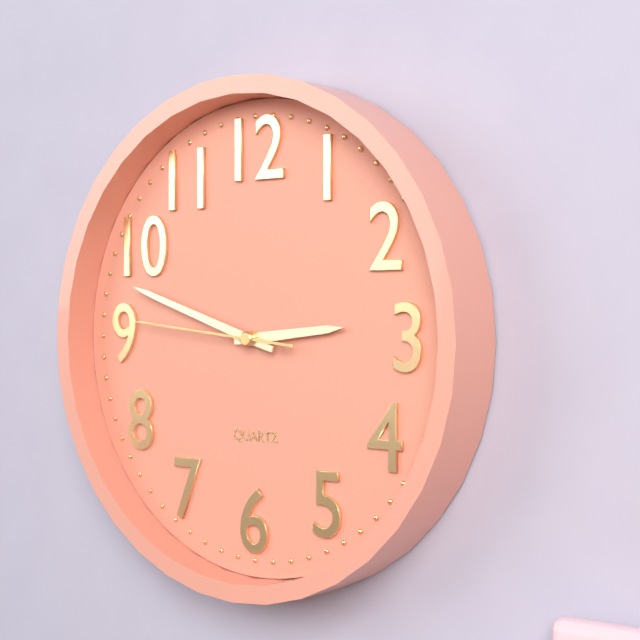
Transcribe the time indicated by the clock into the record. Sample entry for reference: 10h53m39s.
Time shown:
2h48m46s
